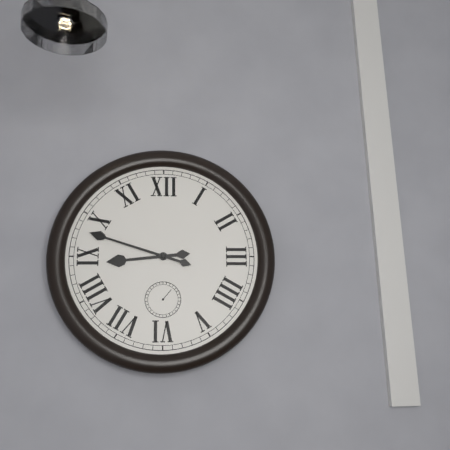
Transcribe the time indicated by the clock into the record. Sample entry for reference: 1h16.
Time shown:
8h48
